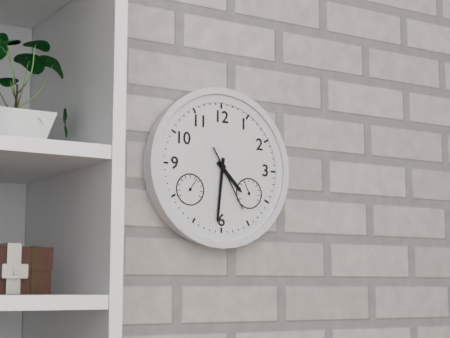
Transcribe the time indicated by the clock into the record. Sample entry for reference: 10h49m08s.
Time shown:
4h31m25s
